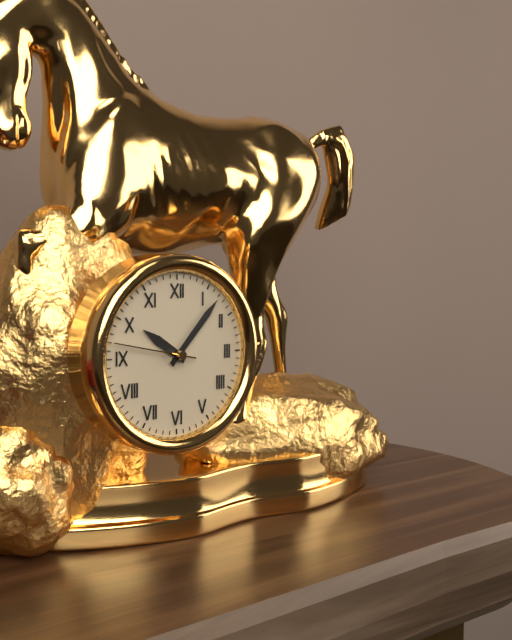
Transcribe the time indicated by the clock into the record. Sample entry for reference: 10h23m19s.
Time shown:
10h07m47s
